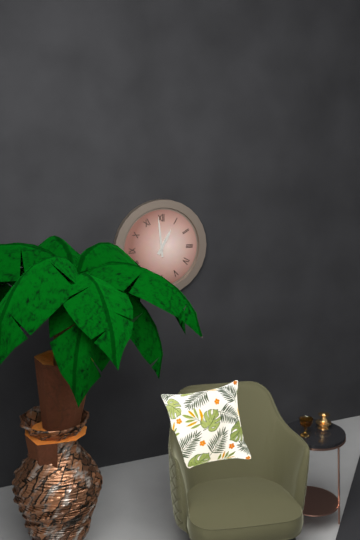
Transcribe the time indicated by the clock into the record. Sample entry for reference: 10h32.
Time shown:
12h59
